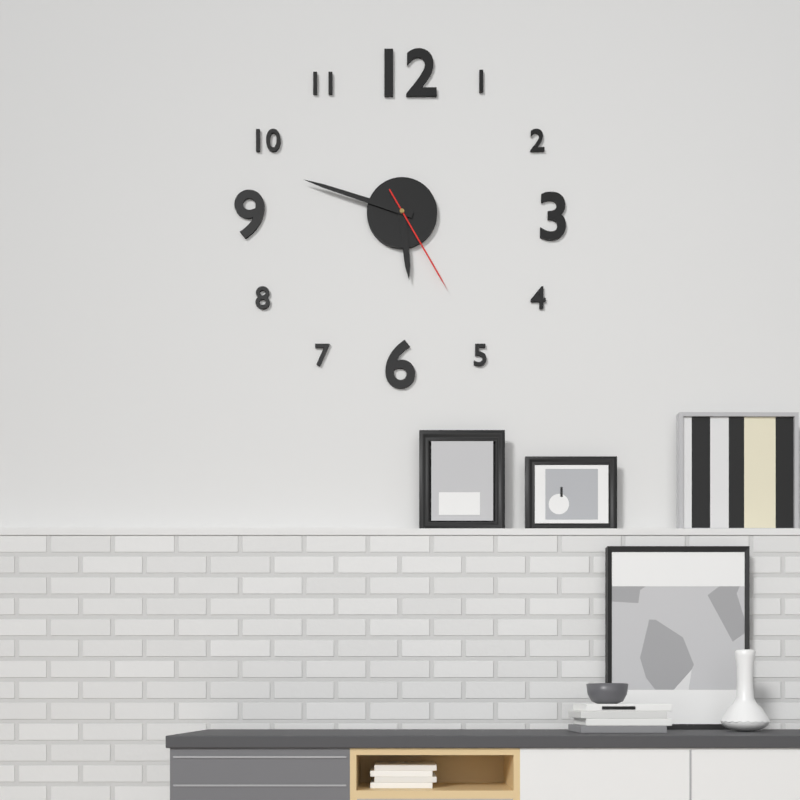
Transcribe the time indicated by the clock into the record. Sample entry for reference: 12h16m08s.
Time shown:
5h48m25s
